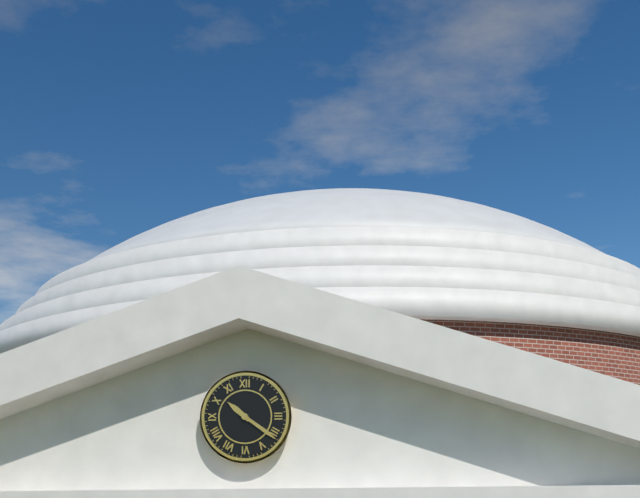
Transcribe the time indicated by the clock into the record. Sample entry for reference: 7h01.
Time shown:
10h21
